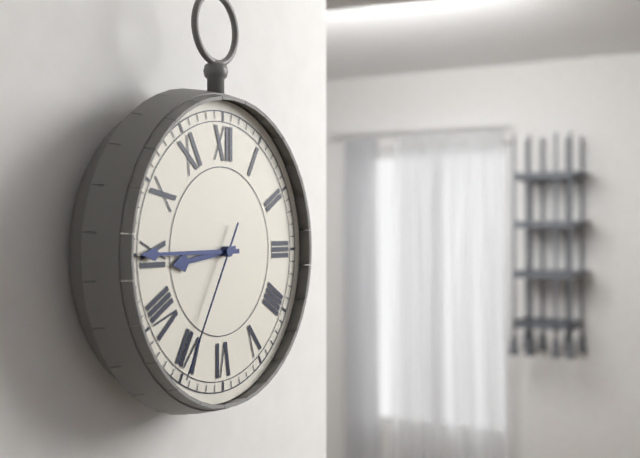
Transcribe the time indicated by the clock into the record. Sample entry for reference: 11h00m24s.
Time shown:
8h45m35s
